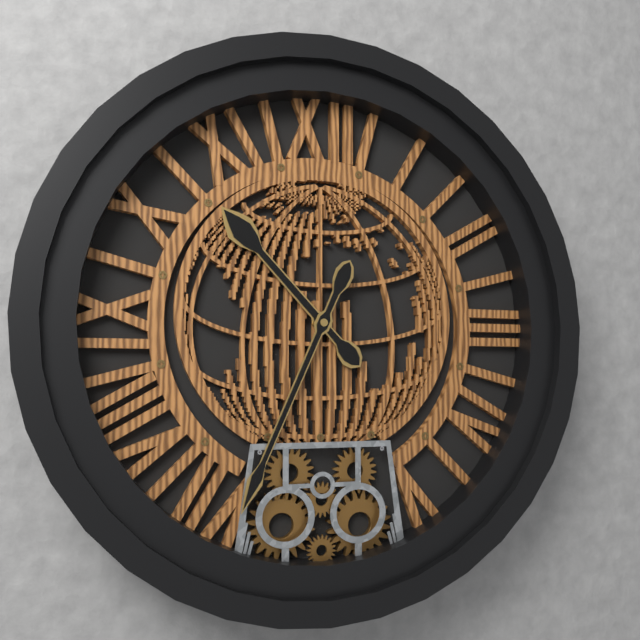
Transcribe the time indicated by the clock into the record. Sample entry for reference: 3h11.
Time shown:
10h34
